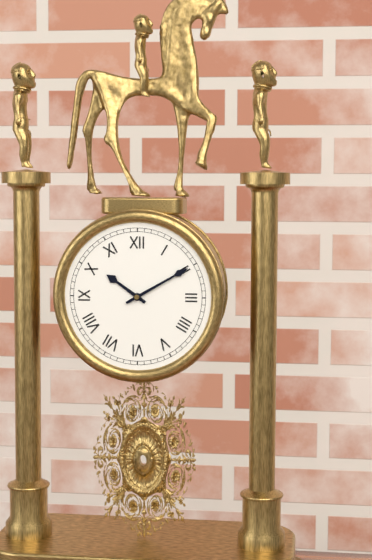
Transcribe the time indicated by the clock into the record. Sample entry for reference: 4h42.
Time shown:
10h10
